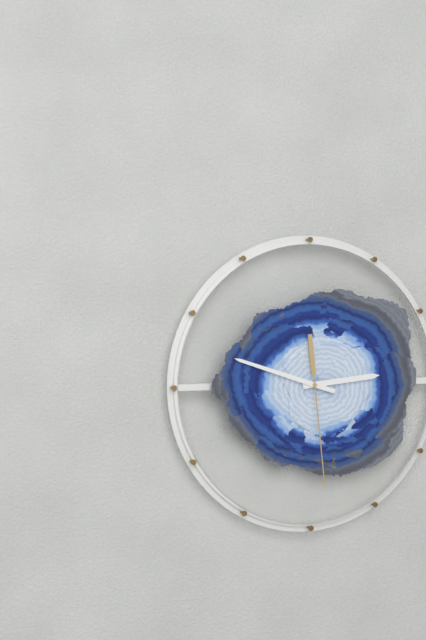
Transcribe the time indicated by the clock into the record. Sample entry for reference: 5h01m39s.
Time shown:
2h48m29s
